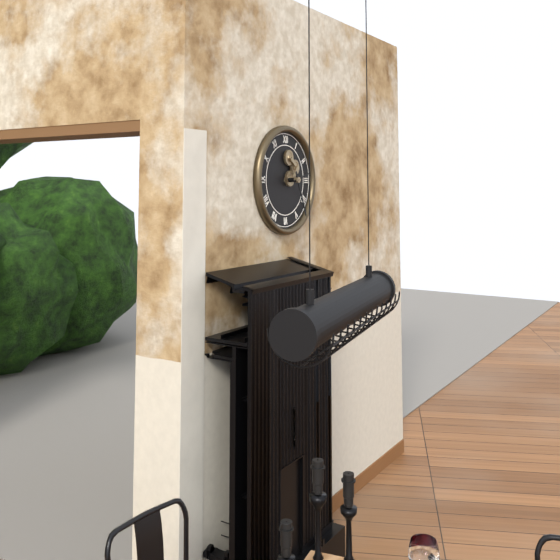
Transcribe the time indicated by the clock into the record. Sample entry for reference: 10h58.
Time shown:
2h26
